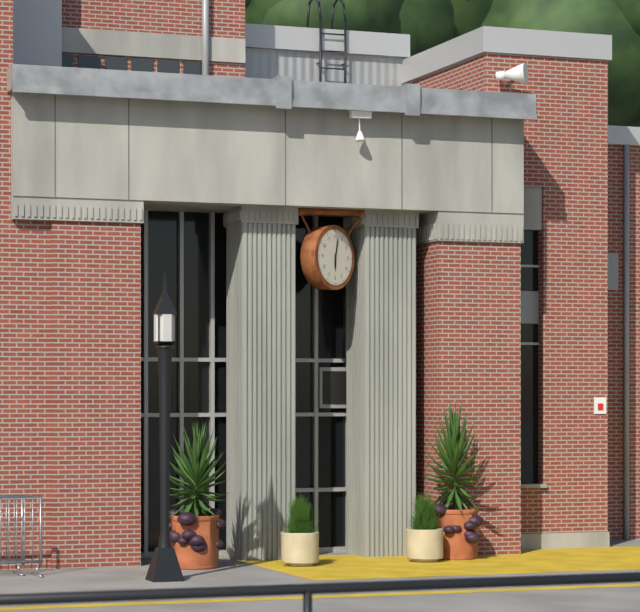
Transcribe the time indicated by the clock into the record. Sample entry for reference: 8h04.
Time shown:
6h02
